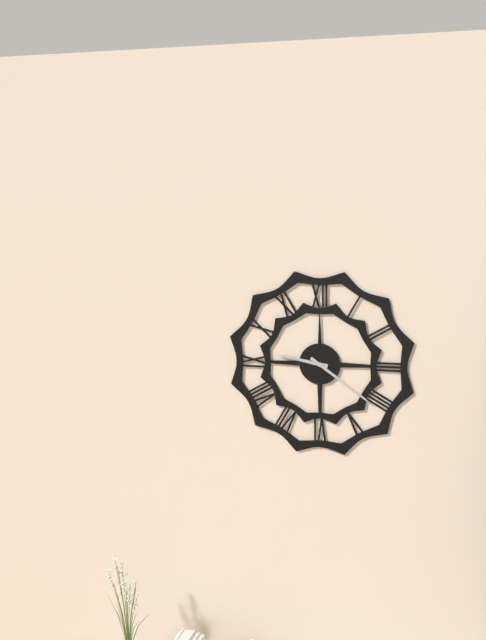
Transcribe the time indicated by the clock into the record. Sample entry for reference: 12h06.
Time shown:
9h21
